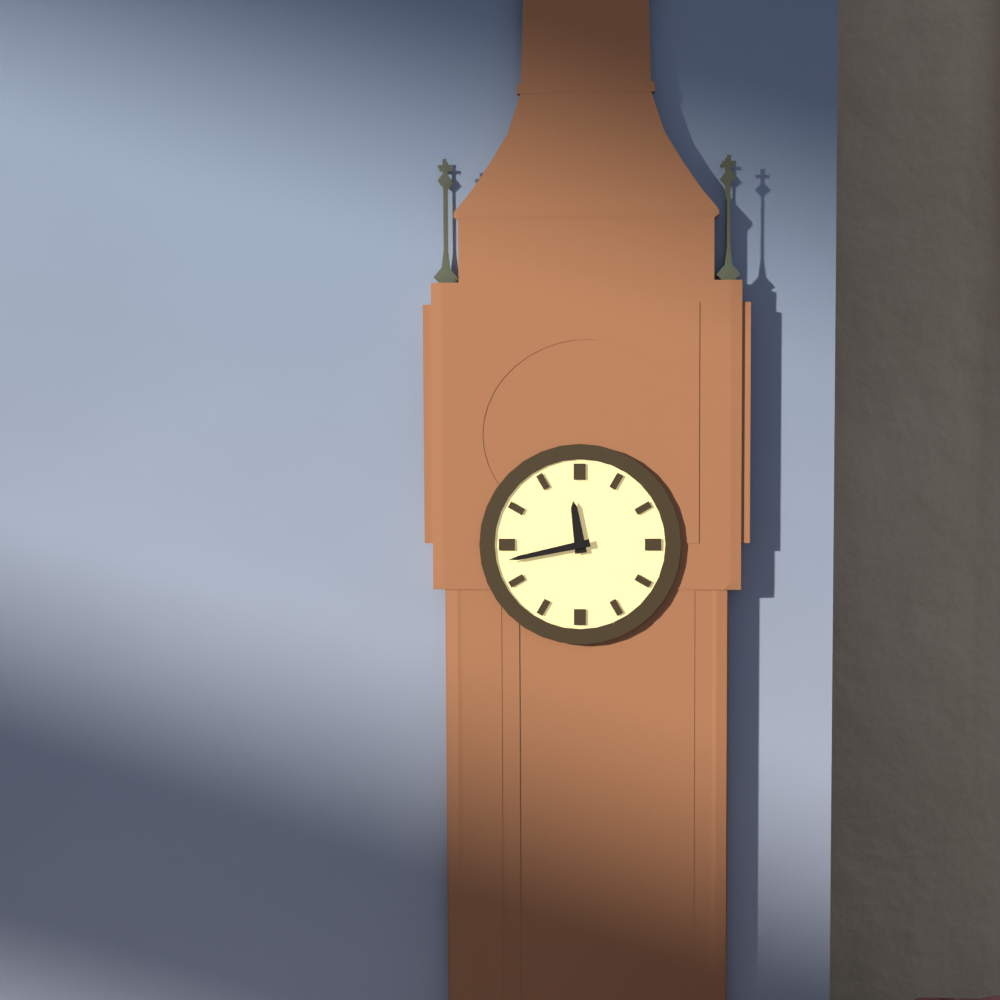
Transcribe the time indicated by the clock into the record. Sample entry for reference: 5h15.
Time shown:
11h43
